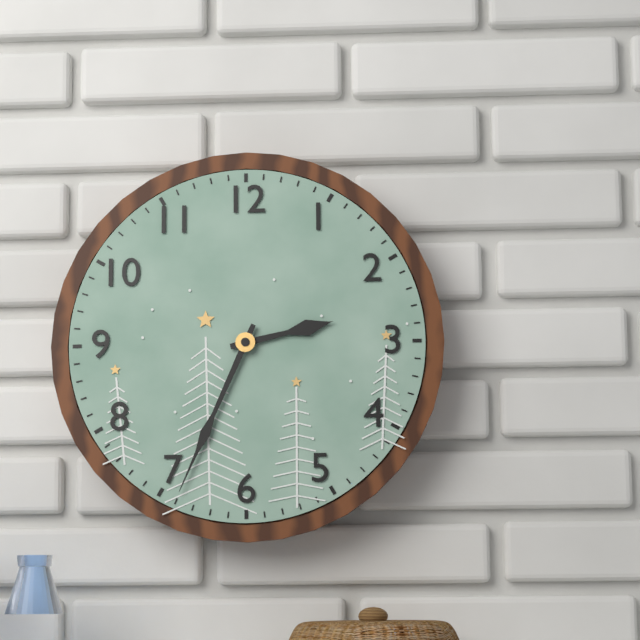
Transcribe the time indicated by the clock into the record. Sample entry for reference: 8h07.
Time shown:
2h34
